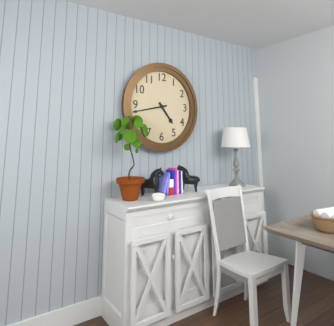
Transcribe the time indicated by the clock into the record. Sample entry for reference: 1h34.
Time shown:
4h43
